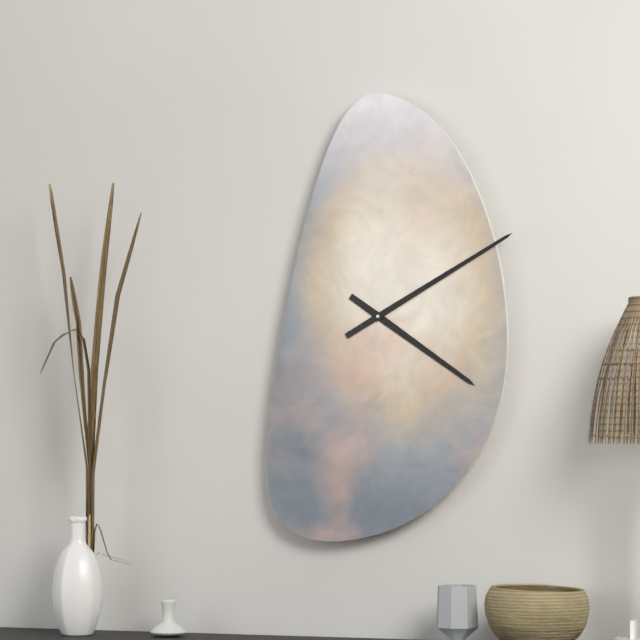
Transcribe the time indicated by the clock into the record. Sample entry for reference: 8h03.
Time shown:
4h10
